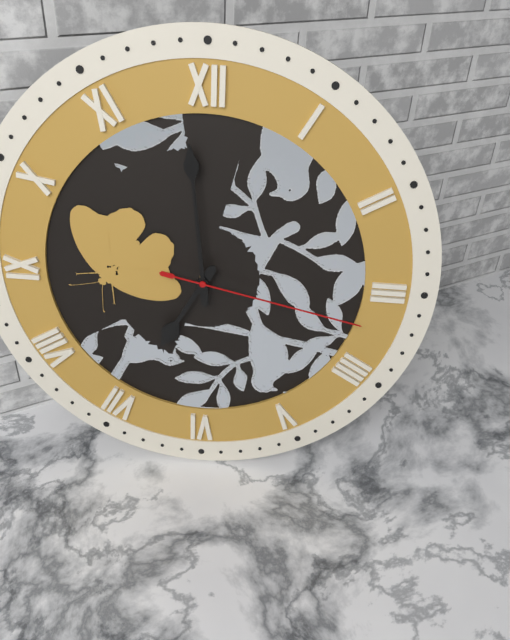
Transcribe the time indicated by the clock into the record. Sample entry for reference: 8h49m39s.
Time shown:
6h59m17s
